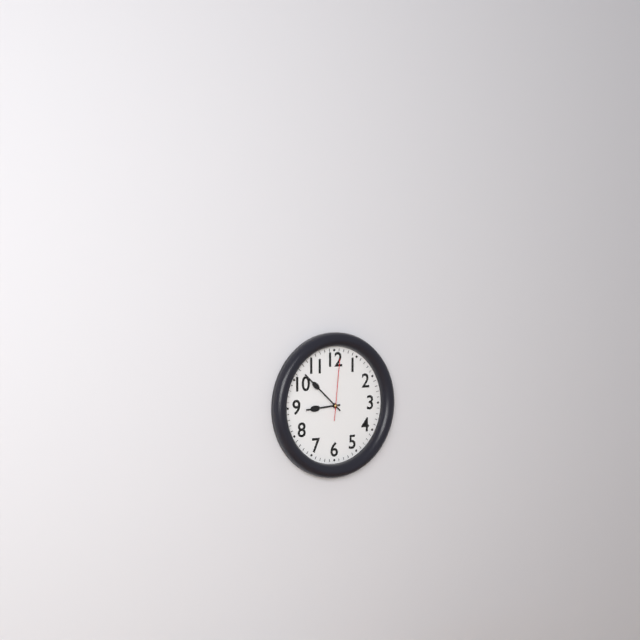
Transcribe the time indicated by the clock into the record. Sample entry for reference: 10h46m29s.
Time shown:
8h52m01s
